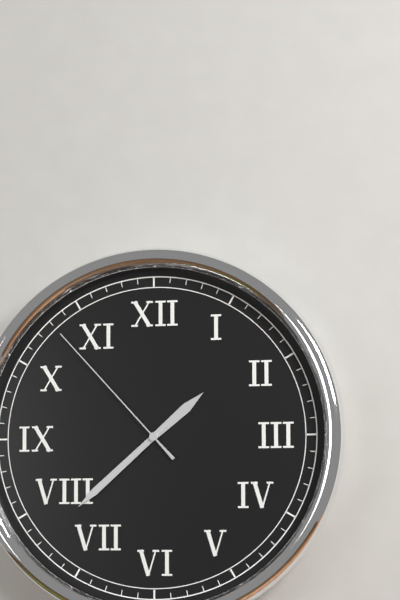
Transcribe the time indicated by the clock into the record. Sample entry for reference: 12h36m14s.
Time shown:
1h38m53s
